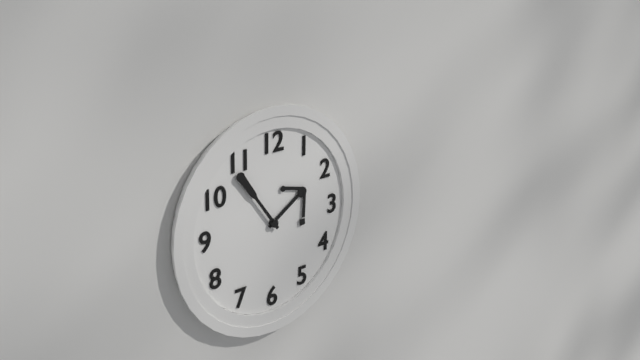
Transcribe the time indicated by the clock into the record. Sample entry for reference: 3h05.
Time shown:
1h54
